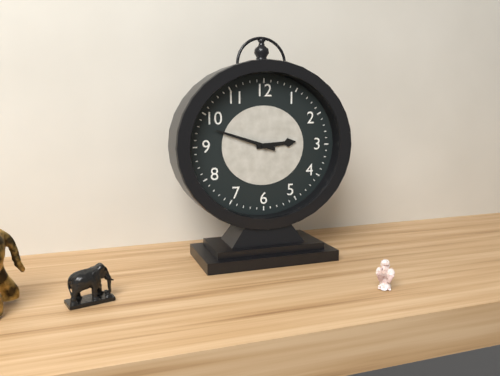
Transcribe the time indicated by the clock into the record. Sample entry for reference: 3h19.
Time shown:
2h48
